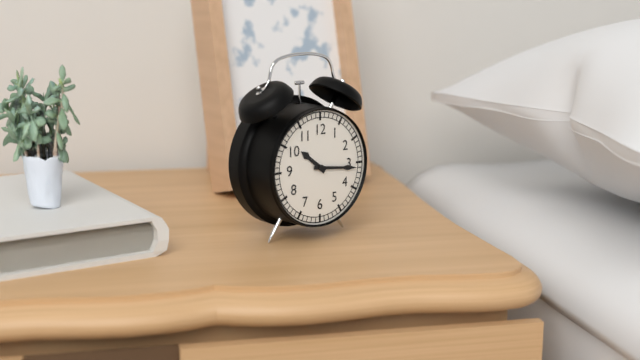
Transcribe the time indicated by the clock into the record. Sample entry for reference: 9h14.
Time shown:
10h16
